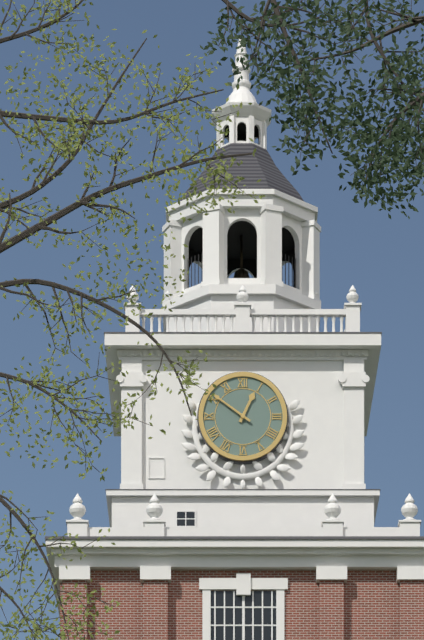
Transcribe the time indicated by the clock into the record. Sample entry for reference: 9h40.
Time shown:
12h51
